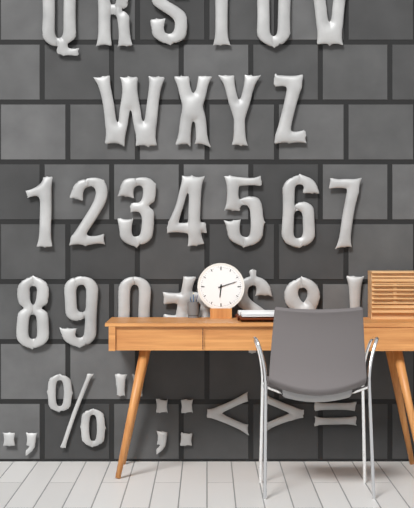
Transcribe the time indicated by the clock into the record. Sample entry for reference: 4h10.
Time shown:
6h12
